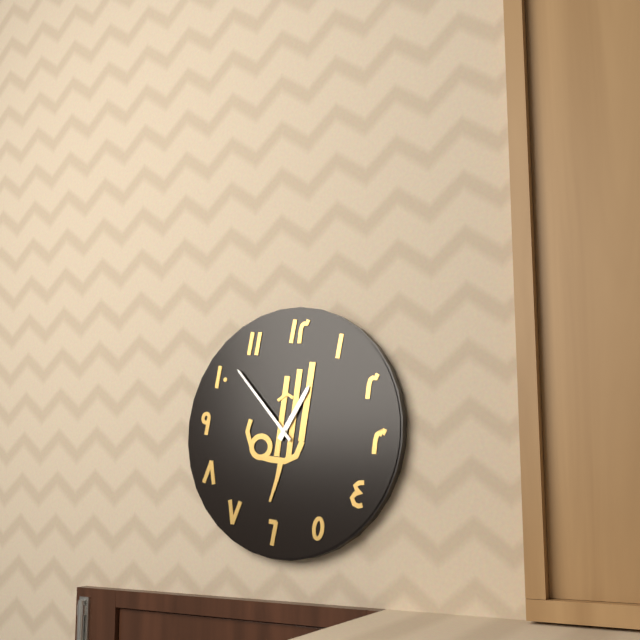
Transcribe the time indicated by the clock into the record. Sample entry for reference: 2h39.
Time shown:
12h52
